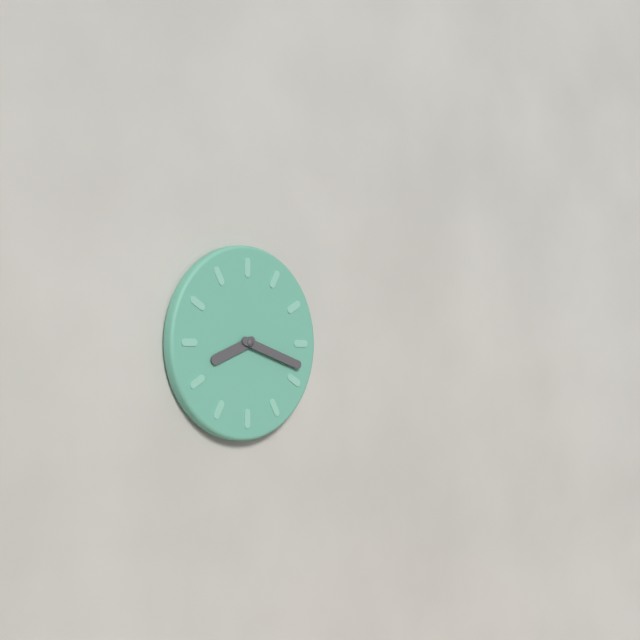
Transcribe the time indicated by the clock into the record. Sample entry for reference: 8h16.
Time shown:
8h18
